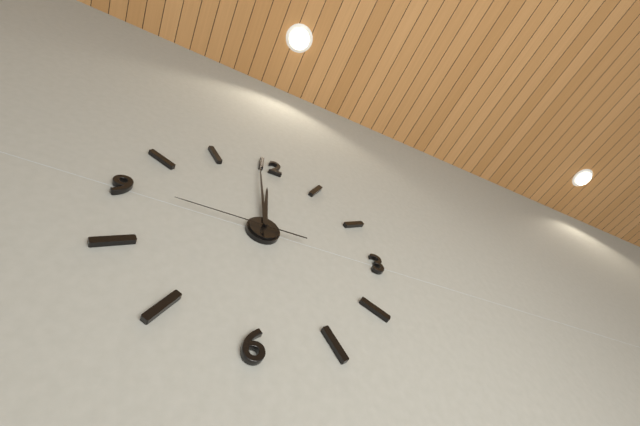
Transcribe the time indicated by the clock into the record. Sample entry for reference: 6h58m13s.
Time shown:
11h59m45s
